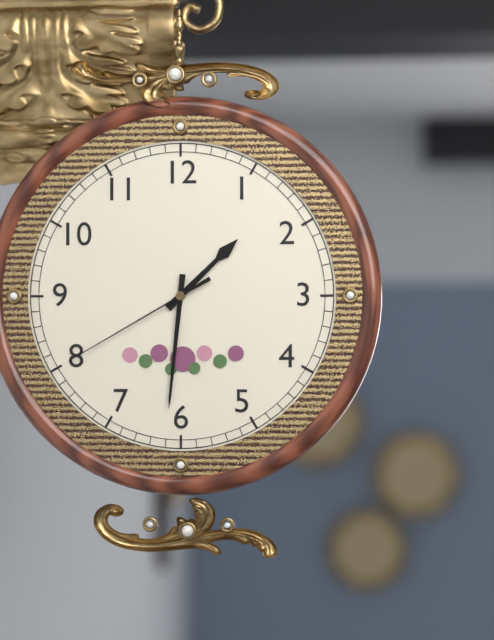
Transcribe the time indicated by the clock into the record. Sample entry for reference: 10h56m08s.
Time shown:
1h31m40s
